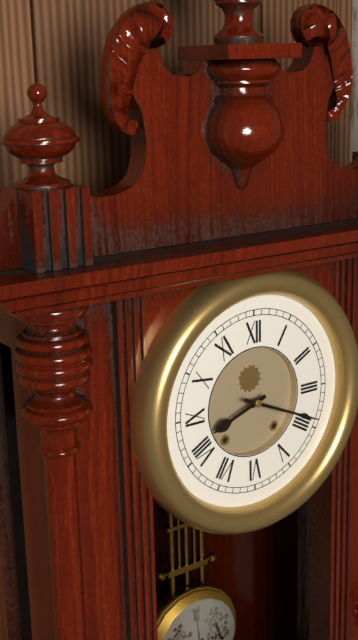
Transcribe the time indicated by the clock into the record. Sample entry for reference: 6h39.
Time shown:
8h19
